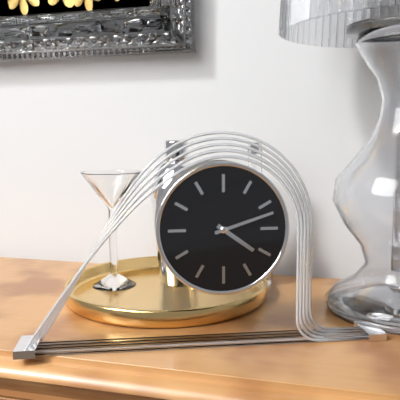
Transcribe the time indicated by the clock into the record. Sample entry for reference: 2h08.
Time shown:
4h12
